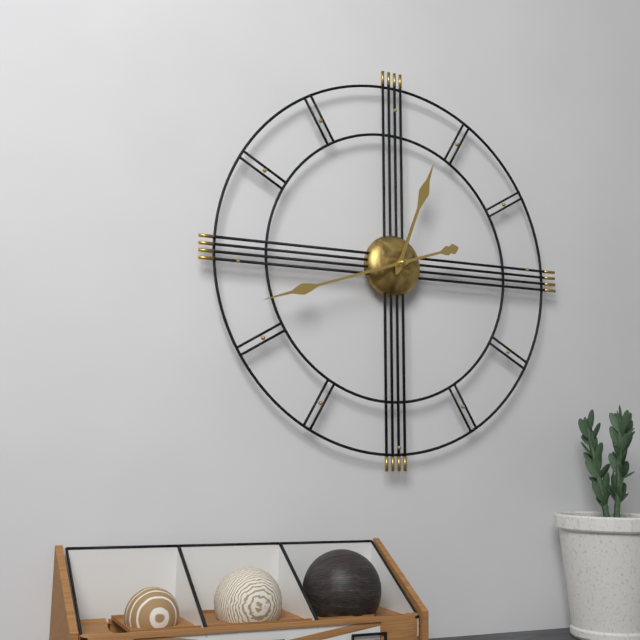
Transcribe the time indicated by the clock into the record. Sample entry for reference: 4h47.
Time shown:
12h42
